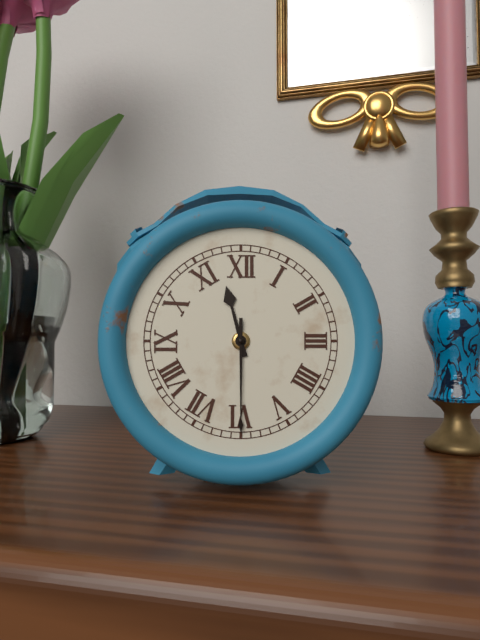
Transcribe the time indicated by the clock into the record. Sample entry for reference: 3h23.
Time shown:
11h30
